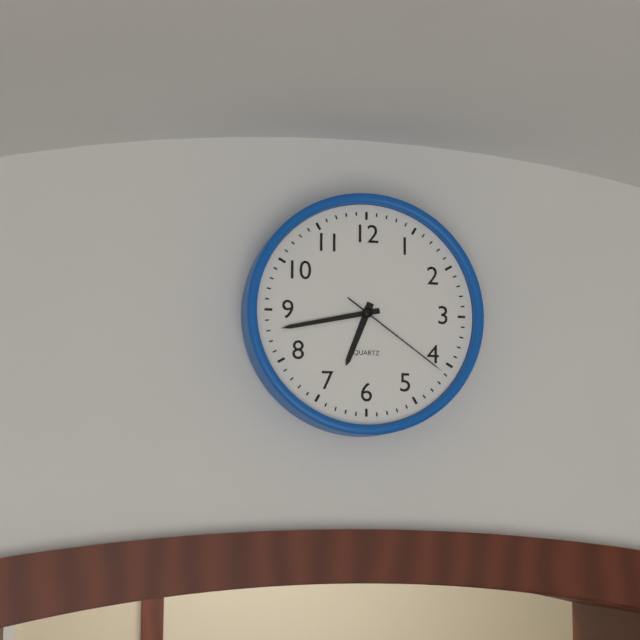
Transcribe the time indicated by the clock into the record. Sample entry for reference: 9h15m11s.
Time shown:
6h43m21s
